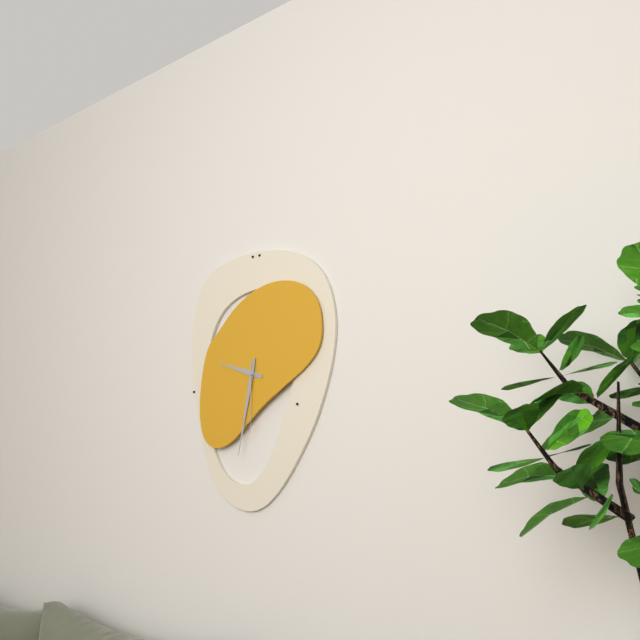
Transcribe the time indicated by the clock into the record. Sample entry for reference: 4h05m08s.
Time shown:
9h32m30s
